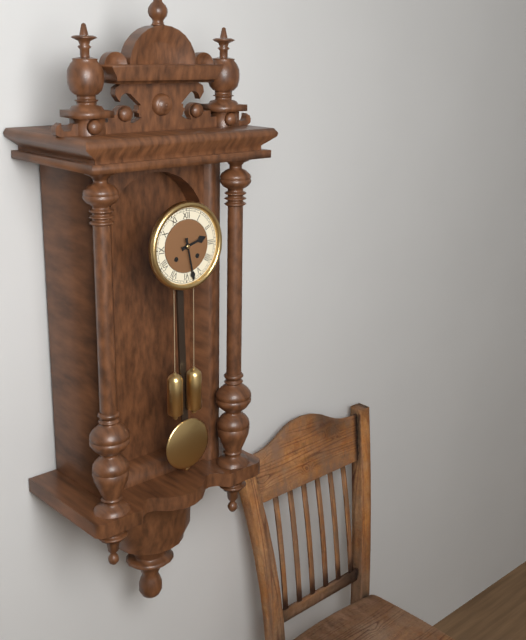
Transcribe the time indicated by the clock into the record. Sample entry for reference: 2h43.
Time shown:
2h28
